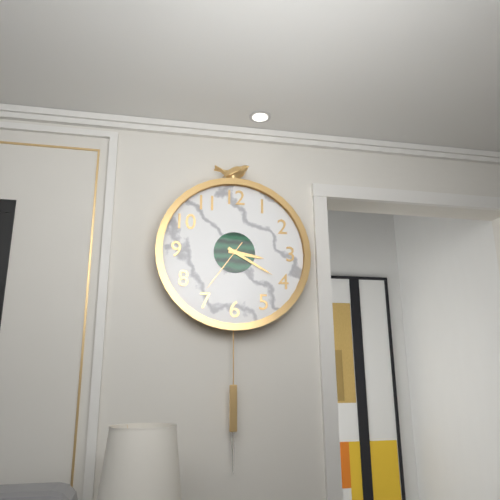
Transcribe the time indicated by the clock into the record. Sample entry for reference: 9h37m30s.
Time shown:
3h20m36s
